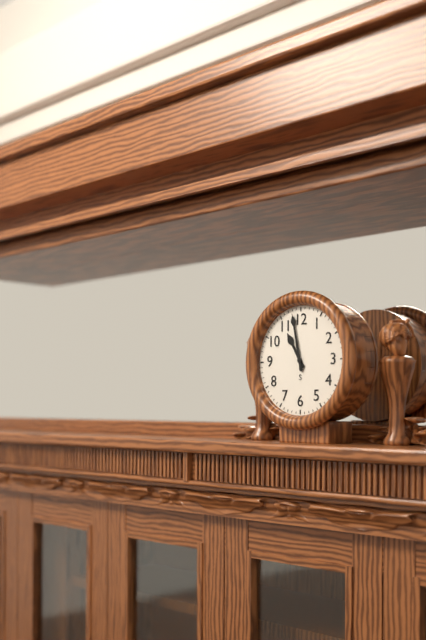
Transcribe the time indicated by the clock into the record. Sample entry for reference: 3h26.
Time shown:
10h58
